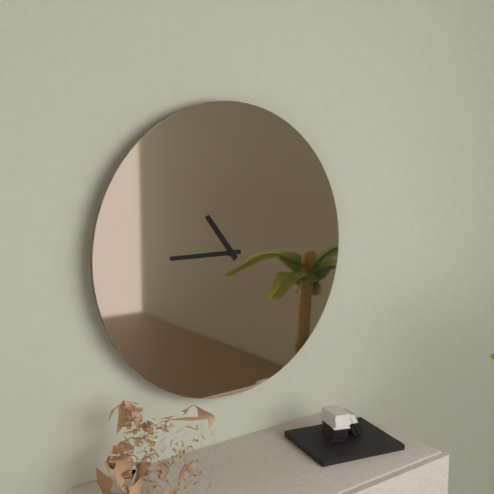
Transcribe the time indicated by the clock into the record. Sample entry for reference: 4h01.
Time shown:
10h45
